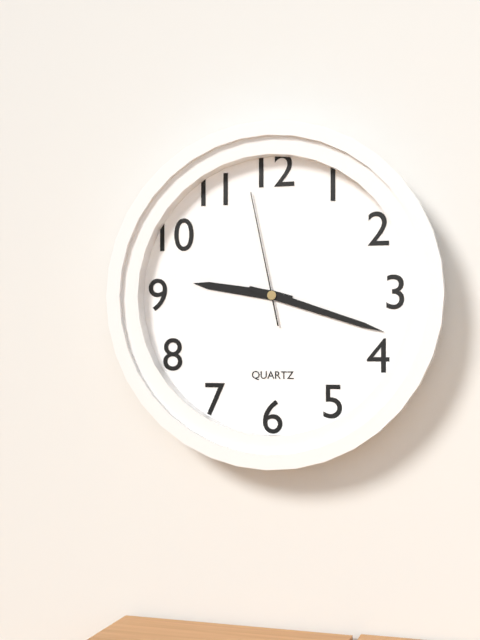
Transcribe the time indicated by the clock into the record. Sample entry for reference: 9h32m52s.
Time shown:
9h18m58s
